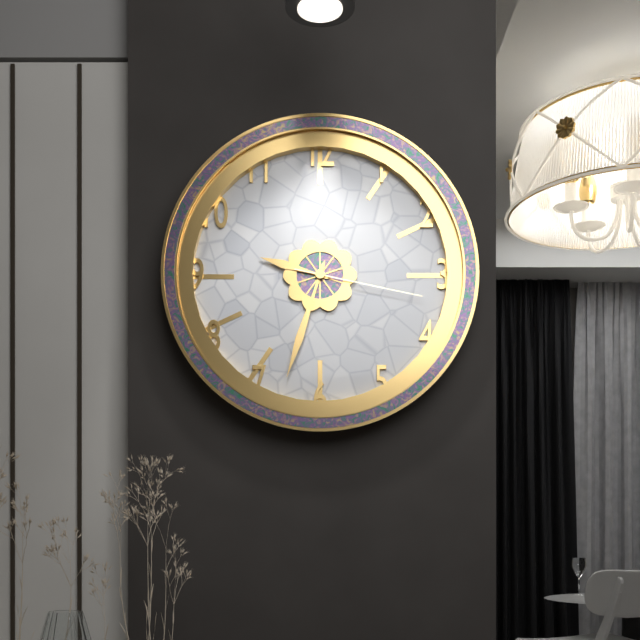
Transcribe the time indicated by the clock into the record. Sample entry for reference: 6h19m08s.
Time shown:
9h33m17s
